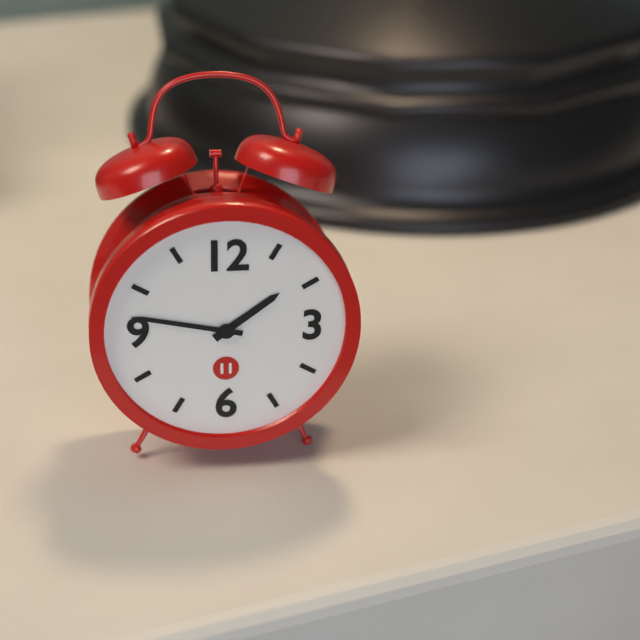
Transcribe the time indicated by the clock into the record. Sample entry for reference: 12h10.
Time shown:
1h47
